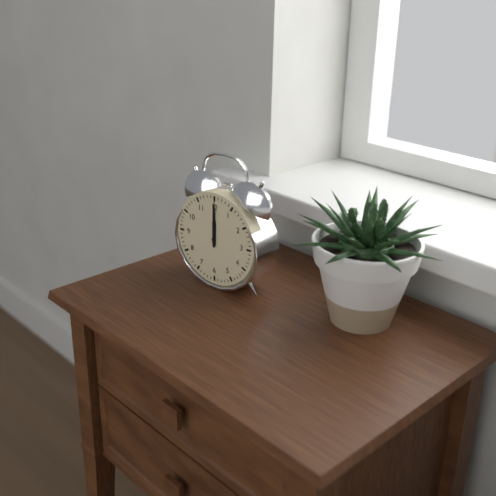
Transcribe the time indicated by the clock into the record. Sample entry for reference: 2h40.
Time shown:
12h00
